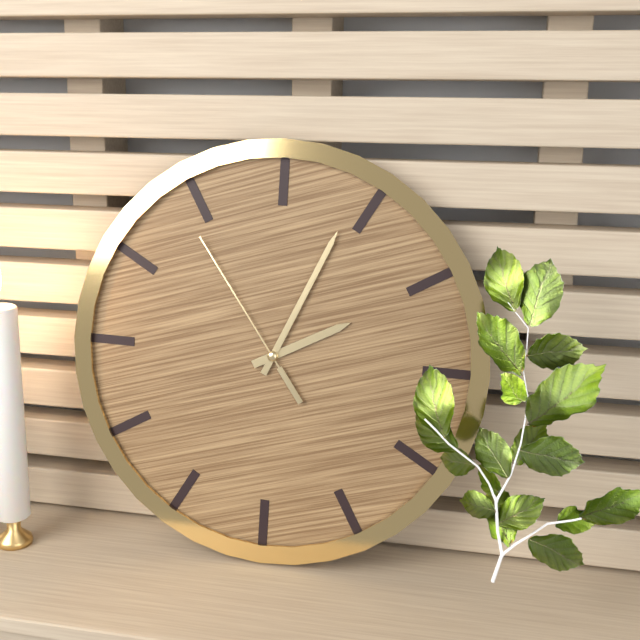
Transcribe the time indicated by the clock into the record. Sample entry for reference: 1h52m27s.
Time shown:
2h04m54s
